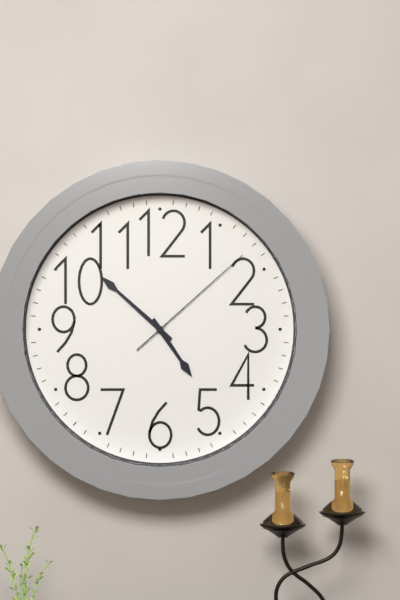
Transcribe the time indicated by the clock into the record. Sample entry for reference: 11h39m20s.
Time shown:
4h52m08s
